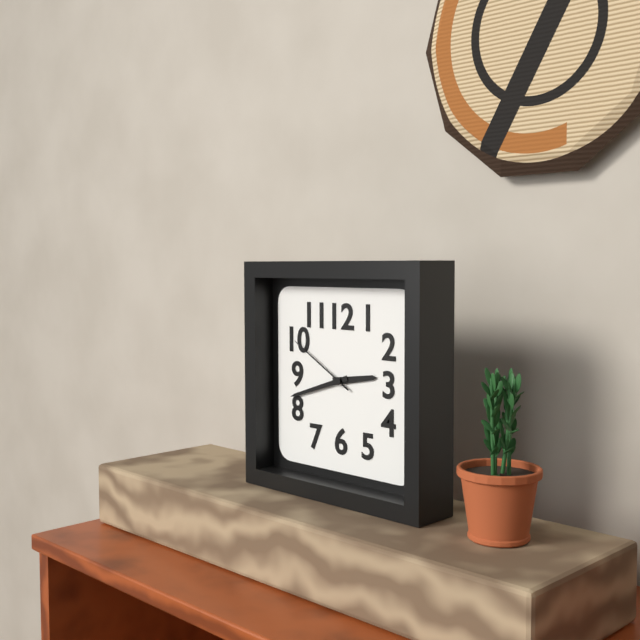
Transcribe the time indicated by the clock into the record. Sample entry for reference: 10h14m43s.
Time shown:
2h42m50s
